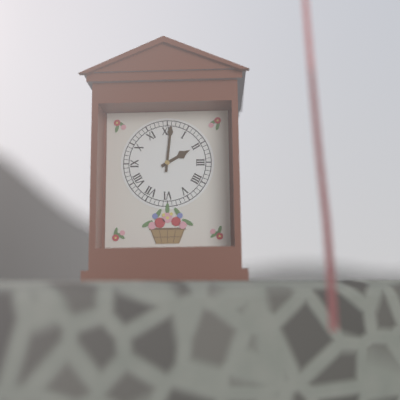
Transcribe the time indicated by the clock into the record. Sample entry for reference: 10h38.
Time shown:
2h01
